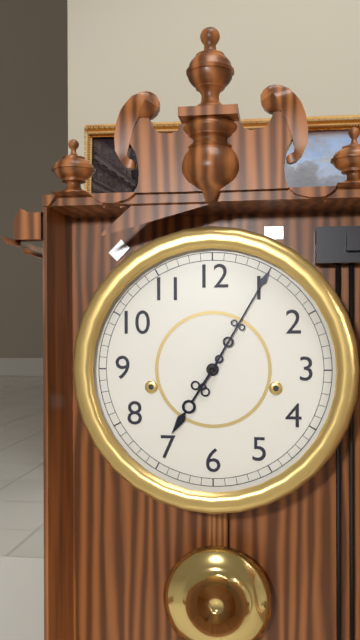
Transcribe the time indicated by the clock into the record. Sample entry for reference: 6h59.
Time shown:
7h05
